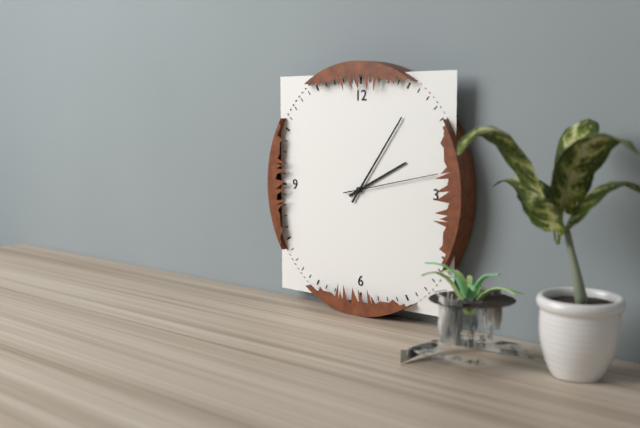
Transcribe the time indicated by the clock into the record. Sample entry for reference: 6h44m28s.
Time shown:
2h06m13s
